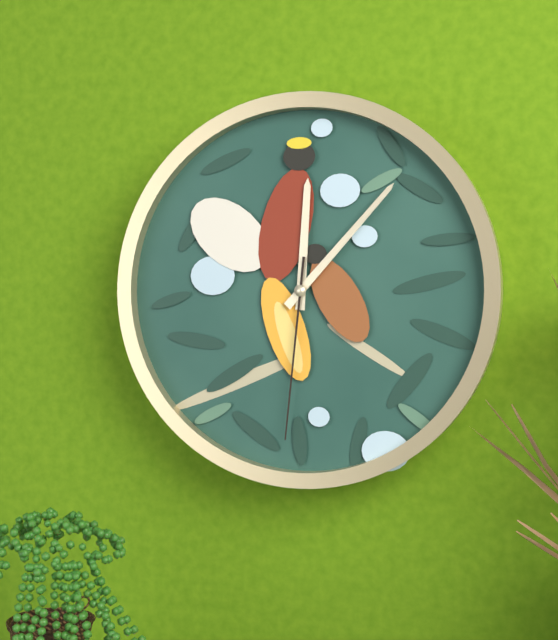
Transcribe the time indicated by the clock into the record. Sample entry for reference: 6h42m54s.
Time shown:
12h07m31s
